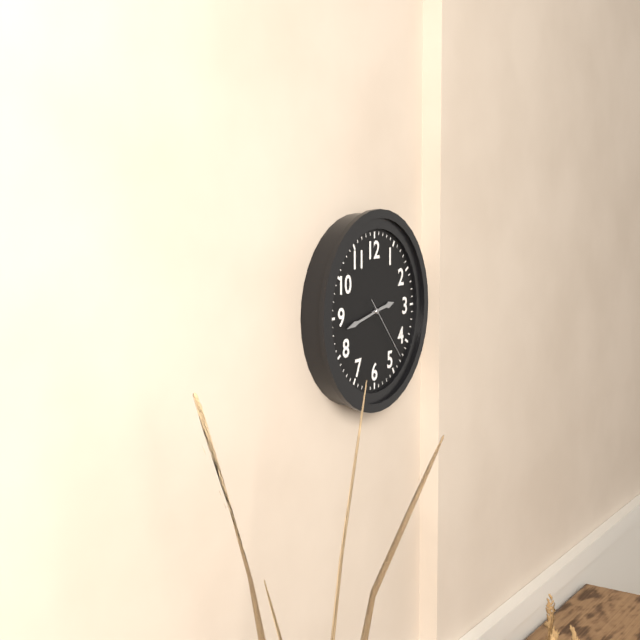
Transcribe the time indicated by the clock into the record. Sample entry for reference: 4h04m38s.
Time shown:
2h43m23s
